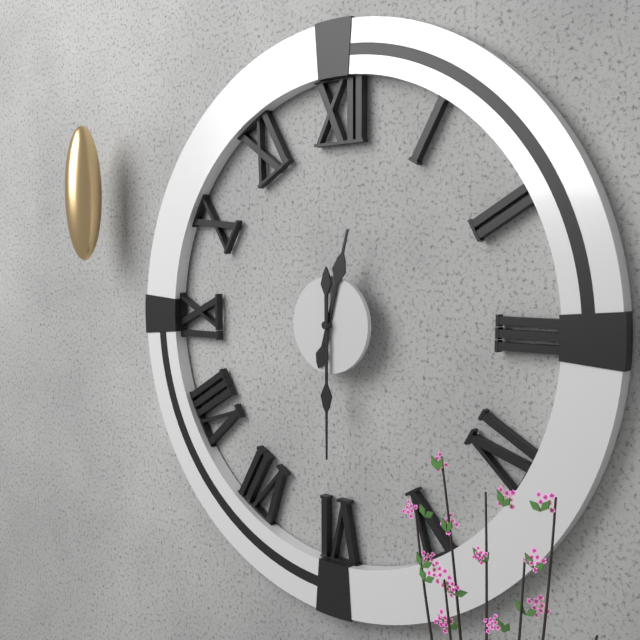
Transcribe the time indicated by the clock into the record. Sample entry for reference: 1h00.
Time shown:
12h30
